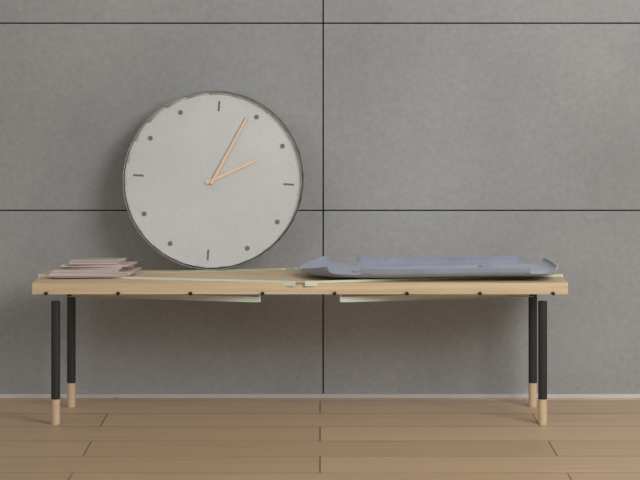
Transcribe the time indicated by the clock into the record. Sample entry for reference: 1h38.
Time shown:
2h04
